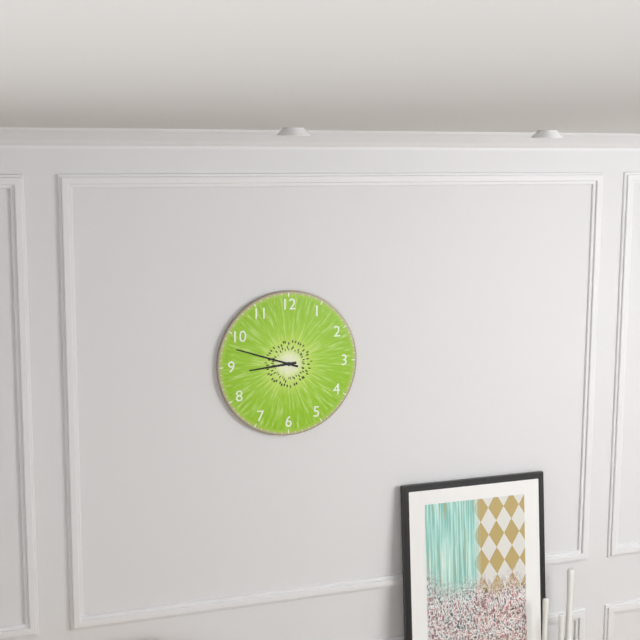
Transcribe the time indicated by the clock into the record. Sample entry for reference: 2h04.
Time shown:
8h48
